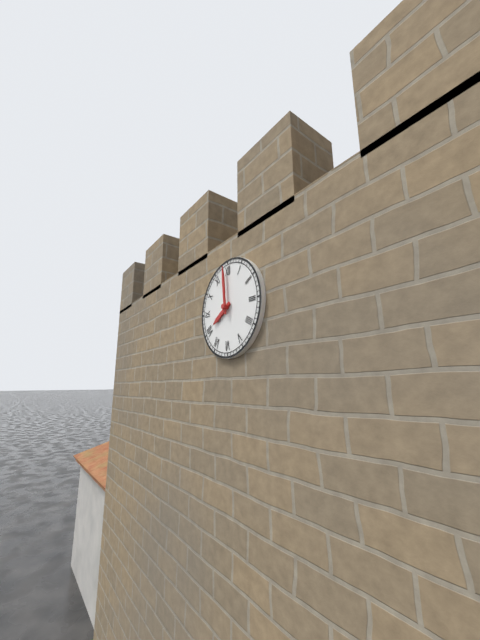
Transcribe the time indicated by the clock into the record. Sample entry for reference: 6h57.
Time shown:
7h59
